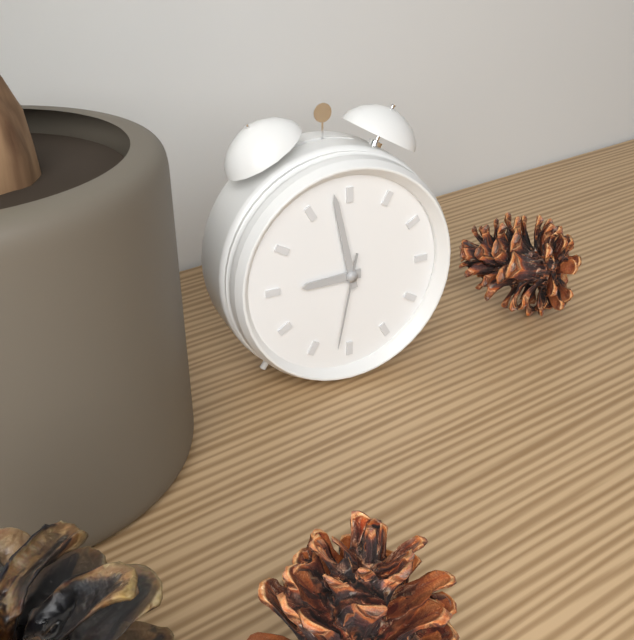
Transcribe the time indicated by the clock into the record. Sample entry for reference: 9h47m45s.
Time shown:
8h58m32s
